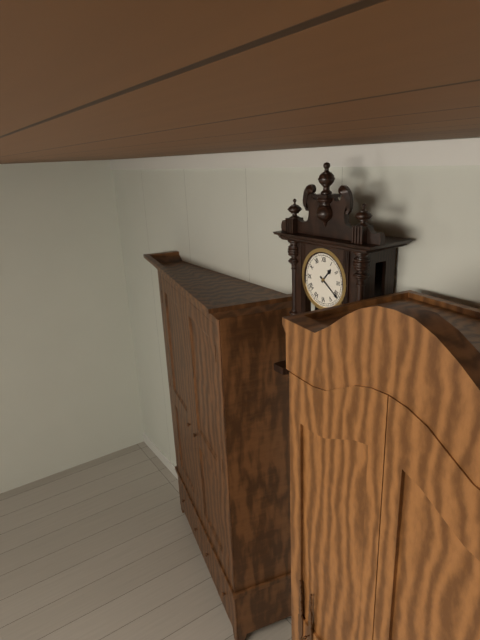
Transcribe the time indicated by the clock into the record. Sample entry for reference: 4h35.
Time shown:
1h21
